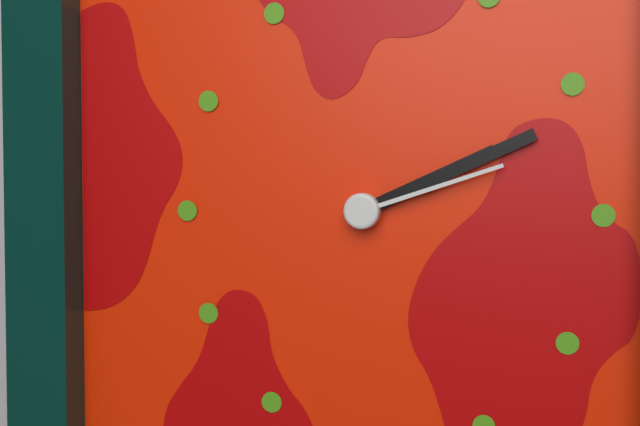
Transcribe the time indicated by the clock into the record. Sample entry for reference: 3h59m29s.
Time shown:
2h11m12s
